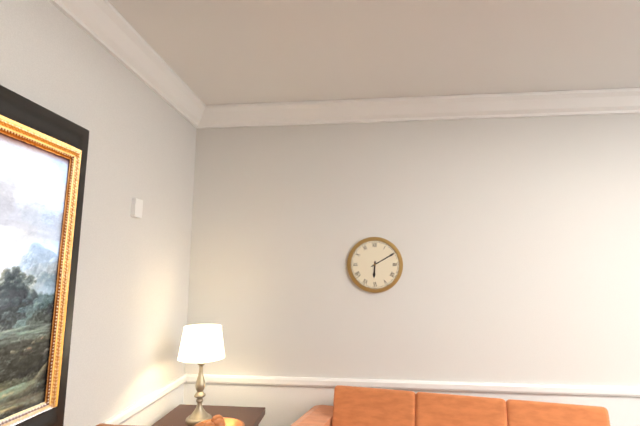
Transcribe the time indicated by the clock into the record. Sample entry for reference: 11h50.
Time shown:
6h10
